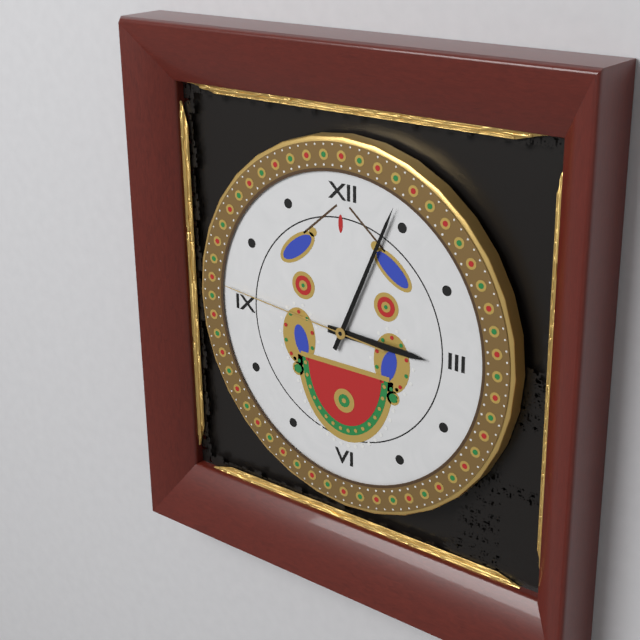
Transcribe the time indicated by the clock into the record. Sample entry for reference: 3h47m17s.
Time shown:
3h04m46s
